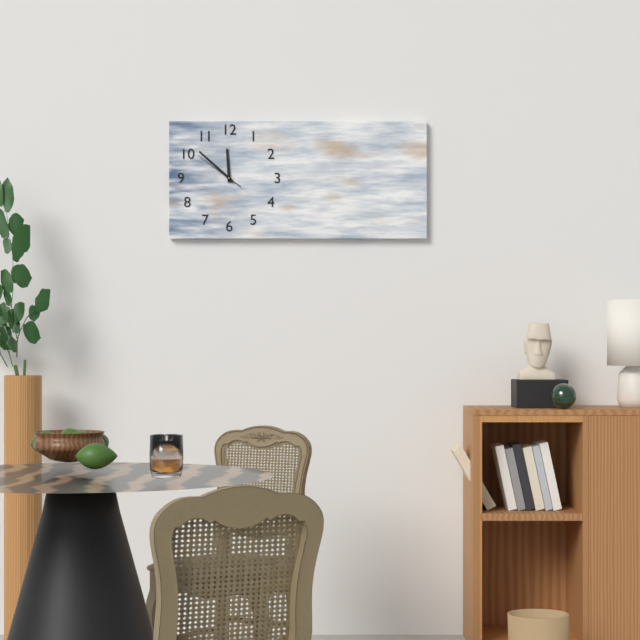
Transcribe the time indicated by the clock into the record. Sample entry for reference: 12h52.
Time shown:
11h52
